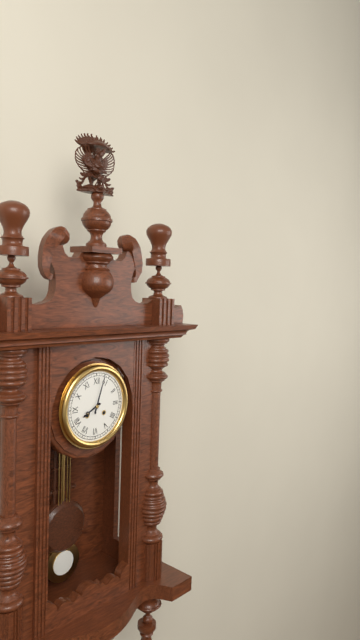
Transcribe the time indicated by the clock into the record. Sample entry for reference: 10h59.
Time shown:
8h03
